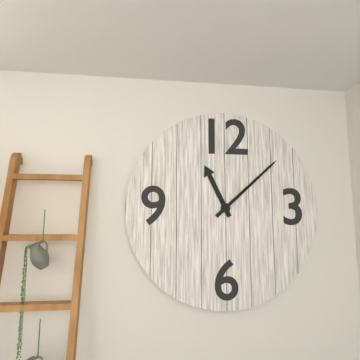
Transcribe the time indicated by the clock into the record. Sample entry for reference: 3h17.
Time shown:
11h08
